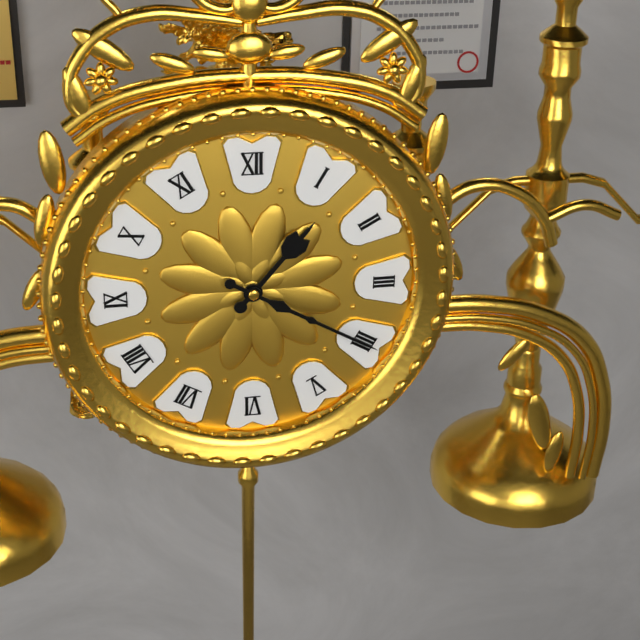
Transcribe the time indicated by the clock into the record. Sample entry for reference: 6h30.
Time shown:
1h20
